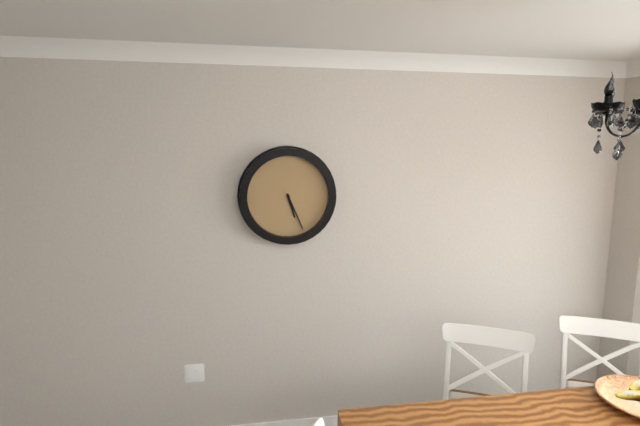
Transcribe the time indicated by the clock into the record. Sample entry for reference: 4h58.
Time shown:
5h26
